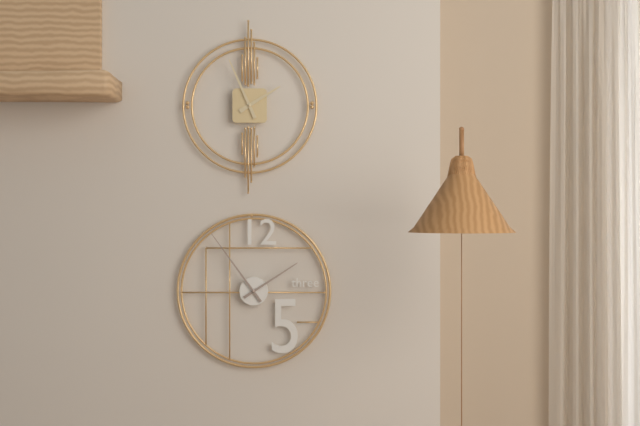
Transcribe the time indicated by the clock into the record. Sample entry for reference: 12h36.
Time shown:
1h56
